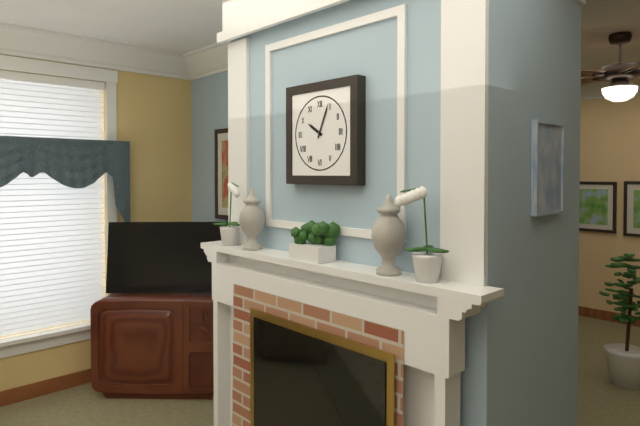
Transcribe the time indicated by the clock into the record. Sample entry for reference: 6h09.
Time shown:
10h04
